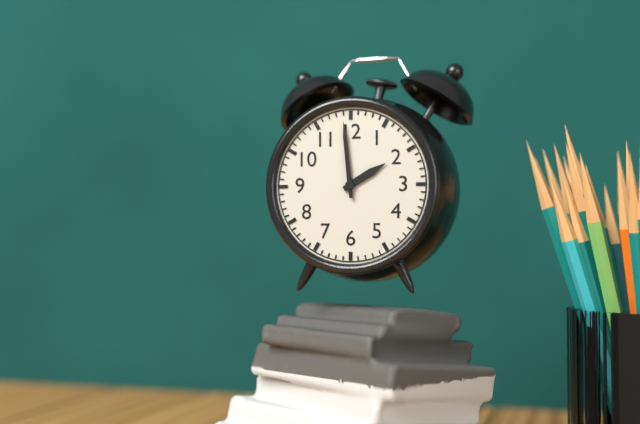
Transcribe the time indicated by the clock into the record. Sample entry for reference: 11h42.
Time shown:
1h59
